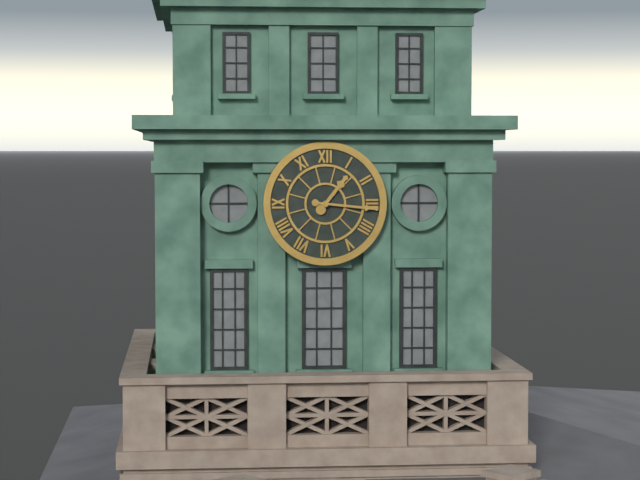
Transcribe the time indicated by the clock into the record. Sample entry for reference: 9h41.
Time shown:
1h16
